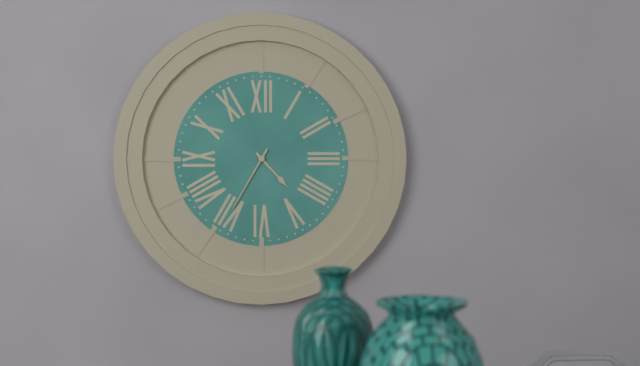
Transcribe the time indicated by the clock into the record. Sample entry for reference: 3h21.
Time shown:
4h35
